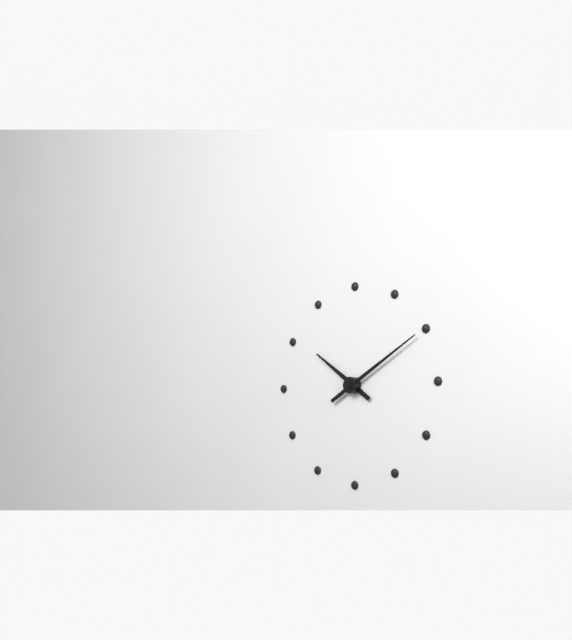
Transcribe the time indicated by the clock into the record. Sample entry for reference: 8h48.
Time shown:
10h10
